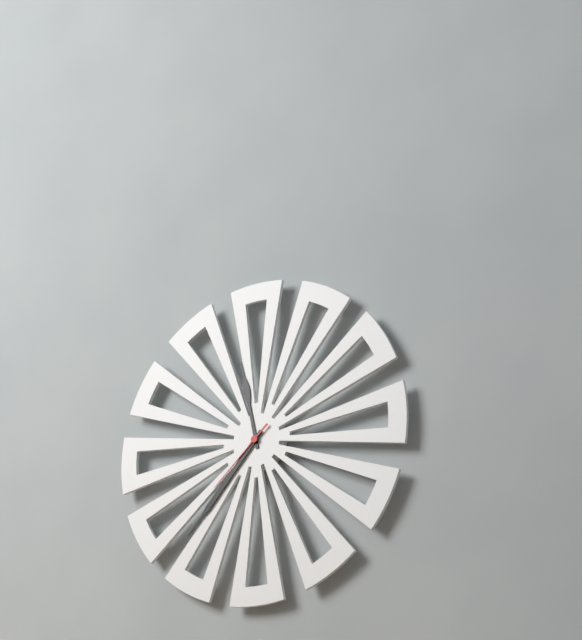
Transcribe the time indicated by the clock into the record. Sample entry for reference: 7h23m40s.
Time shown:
11h37m38s
